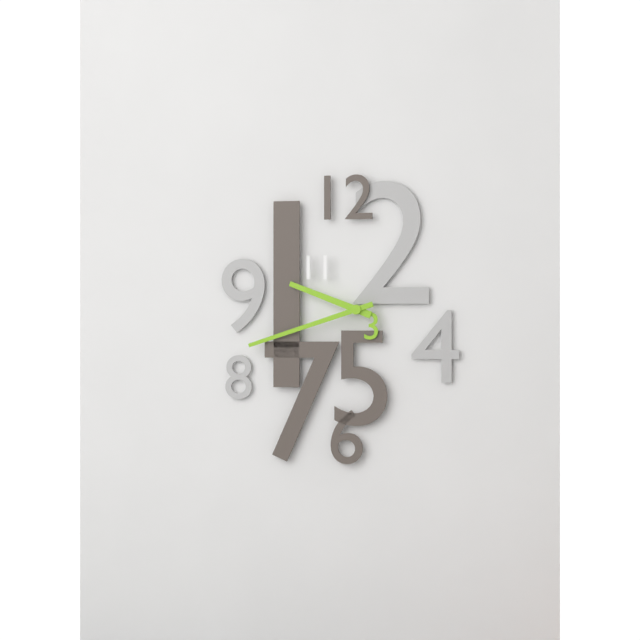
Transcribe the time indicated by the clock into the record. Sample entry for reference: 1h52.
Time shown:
9h42
